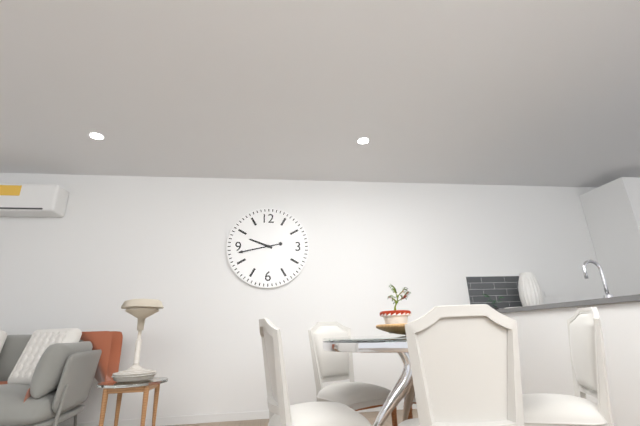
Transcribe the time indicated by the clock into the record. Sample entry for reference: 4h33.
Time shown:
9h43
